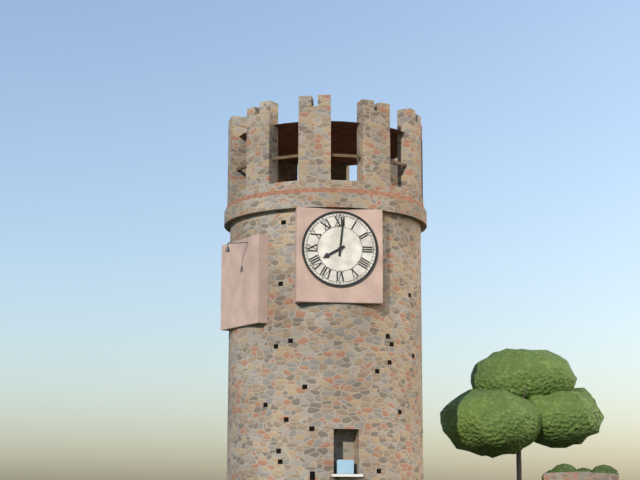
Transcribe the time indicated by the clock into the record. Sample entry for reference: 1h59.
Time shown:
8h01
